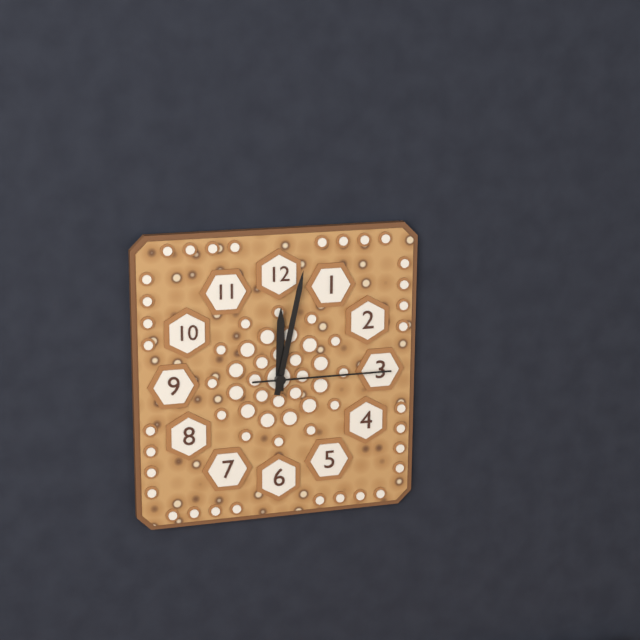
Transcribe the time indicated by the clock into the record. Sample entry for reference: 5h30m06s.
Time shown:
12h02m15s
